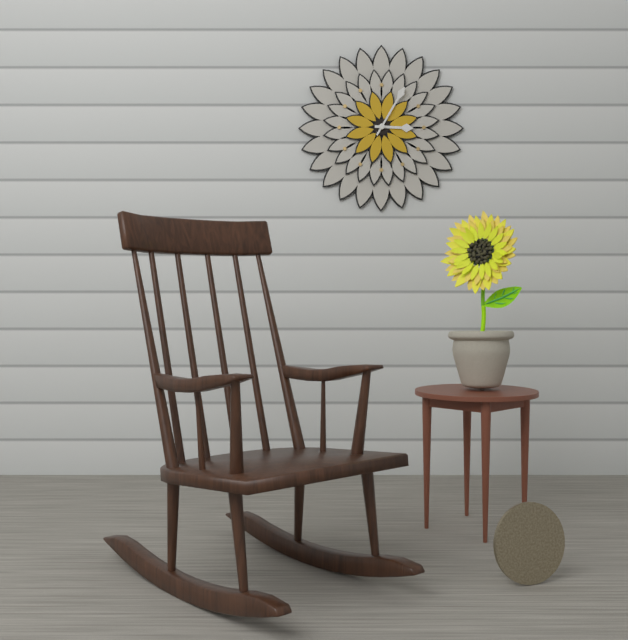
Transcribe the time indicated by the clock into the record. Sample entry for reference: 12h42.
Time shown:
3h05
